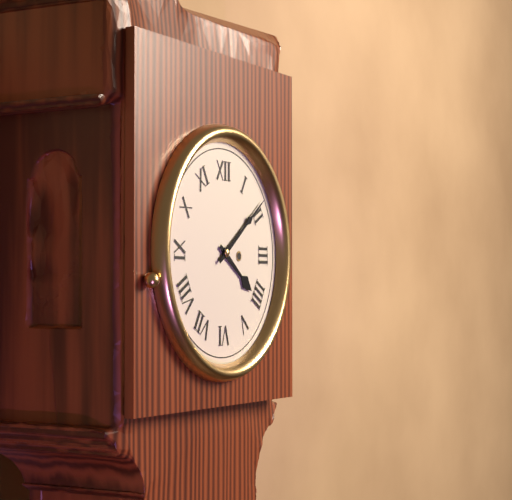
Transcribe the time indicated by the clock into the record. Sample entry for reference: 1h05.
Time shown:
4h09
